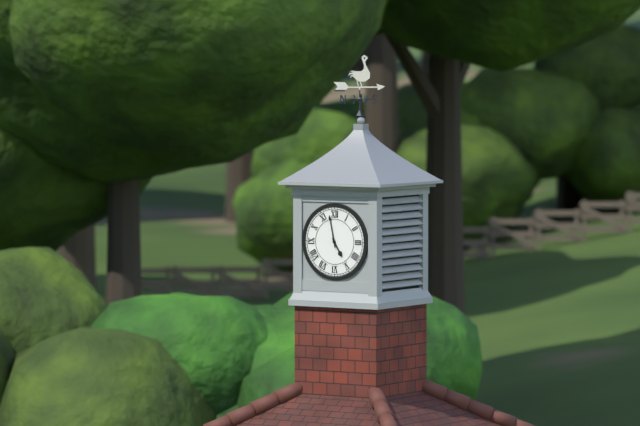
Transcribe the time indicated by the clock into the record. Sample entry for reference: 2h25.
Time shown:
4h58
